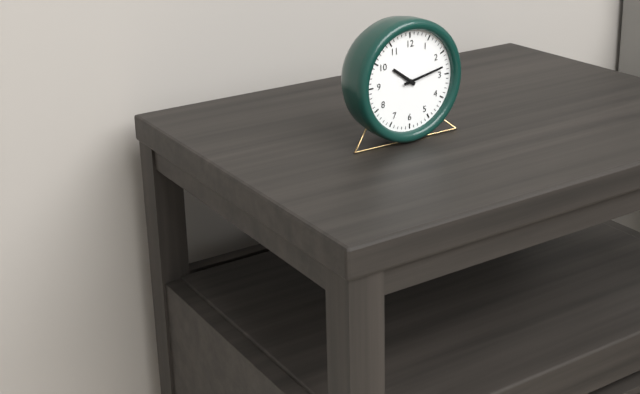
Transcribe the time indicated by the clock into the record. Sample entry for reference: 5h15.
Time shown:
10h13
